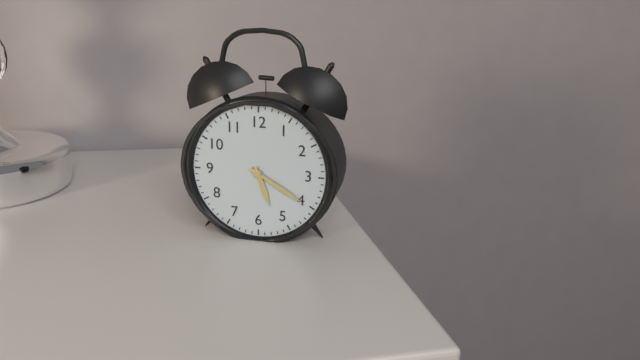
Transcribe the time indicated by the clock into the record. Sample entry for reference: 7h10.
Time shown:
5h20
